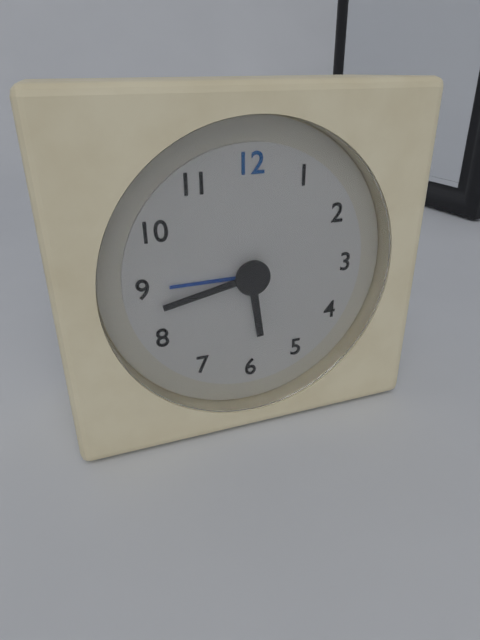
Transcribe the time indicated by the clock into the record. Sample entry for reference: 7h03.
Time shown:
5h43
